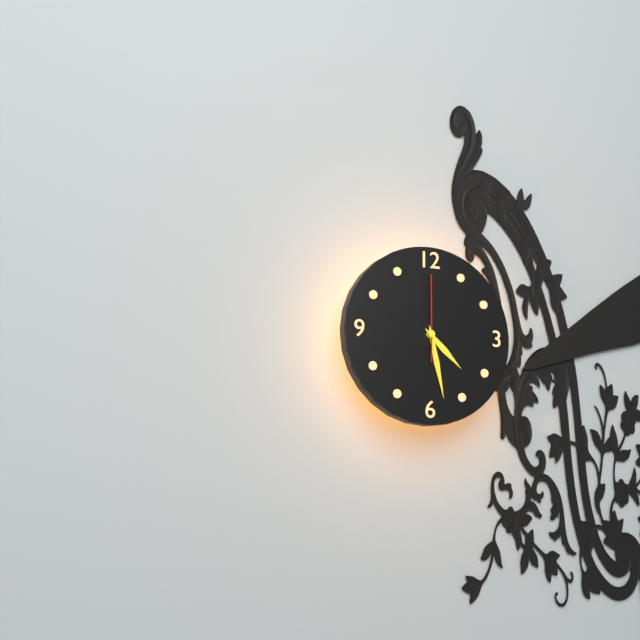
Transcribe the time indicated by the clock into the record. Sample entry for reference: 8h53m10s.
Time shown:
4h28m00s
